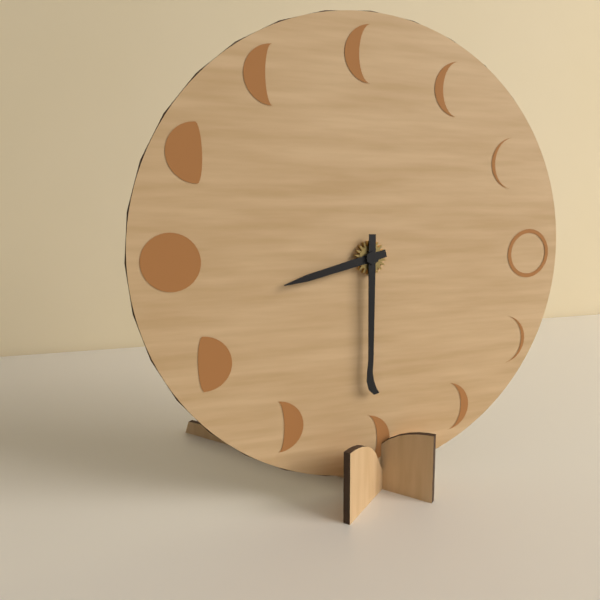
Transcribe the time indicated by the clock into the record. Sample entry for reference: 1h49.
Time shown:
8h30
